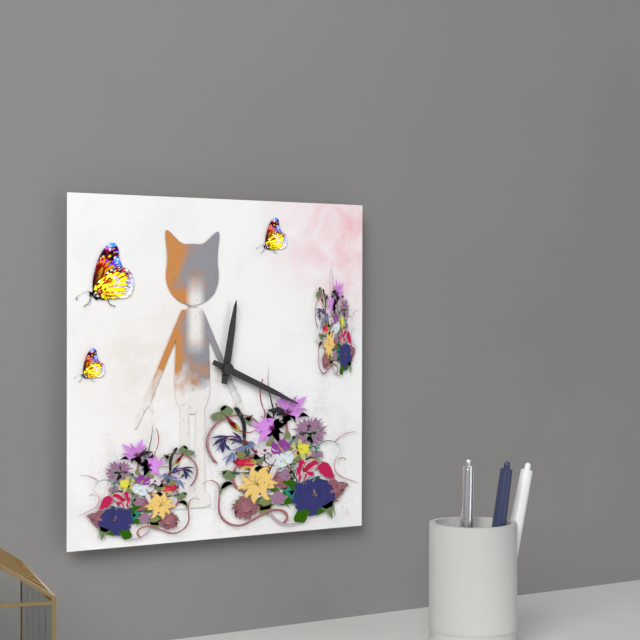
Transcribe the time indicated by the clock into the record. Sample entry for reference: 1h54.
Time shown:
12h19
